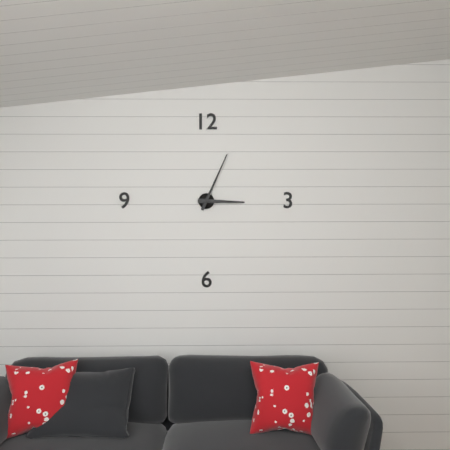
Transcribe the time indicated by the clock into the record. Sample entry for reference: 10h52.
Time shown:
3h04
